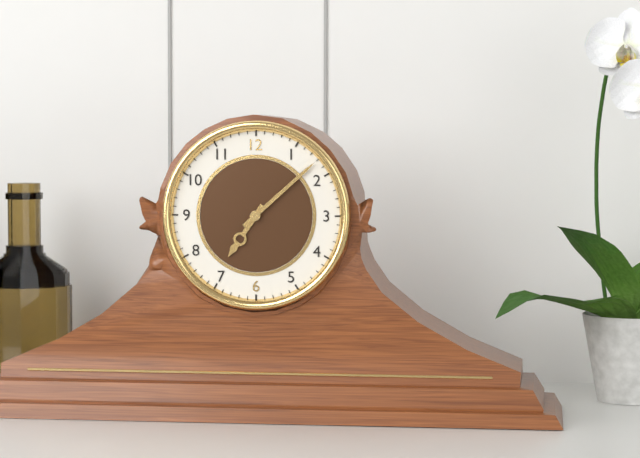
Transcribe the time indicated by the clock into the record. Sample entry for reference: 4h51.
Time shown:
7h08
